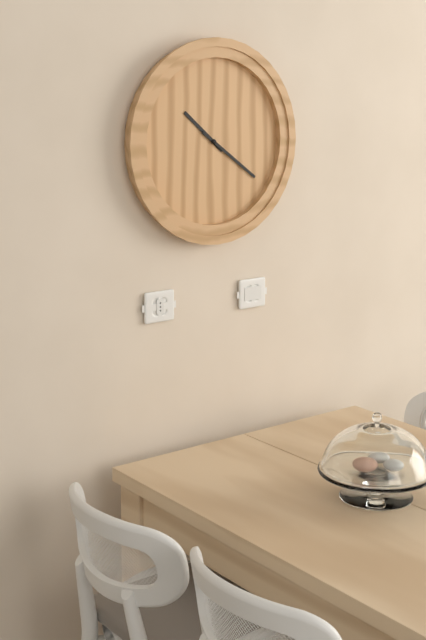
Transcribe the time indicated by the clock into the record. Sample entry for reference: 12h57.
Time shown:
10h21
